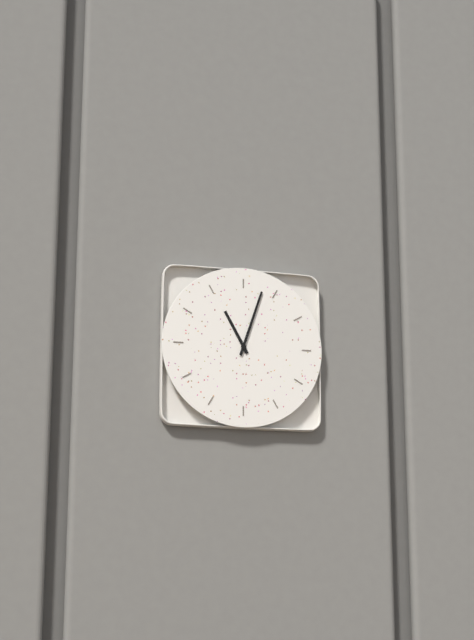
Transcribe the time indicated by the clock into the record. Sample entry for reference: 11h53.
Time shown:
11h03
